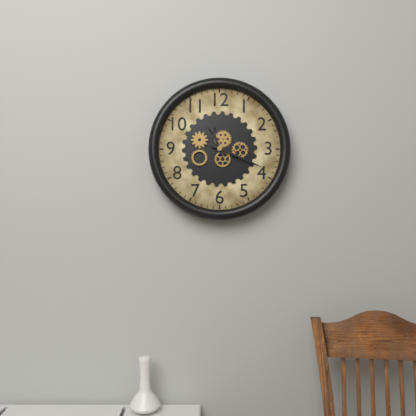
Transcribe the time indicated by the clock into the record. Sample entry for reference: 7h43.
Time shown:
11h19
